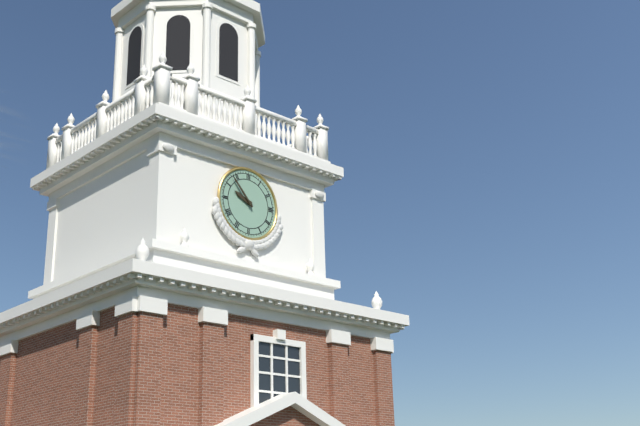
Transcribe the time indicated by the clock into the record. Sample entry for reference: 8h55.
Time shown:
9h53
